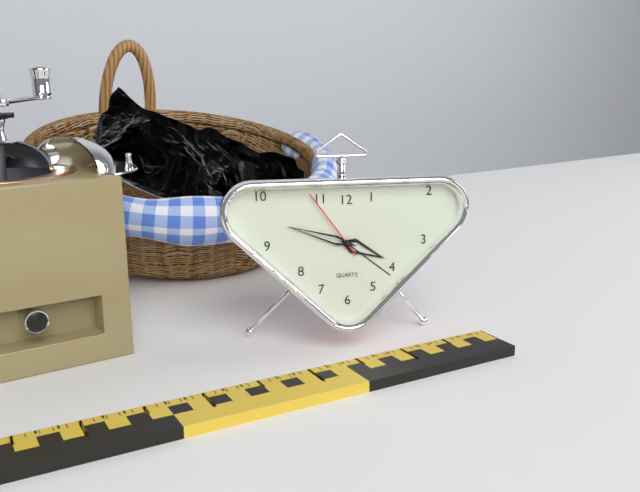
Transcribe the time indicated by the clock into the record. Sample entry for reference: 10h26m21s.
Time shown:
3h48m54s
